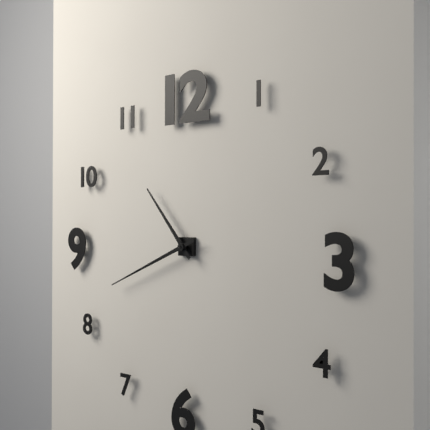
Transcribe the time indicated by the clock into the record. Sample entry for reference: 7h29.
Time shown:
10h41
